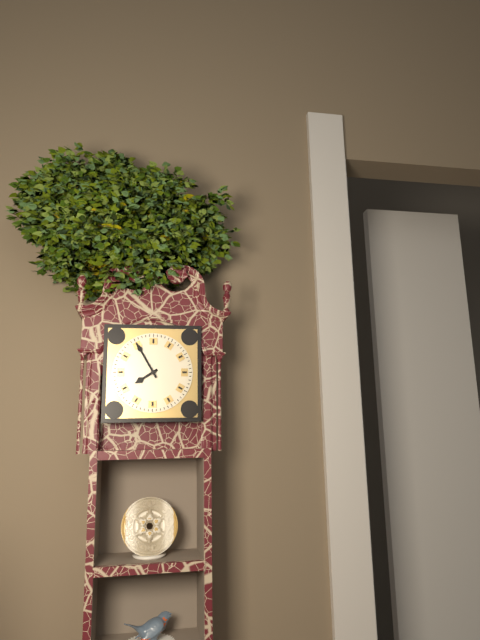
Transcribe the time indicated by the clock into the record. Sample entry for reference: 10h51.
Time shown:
7h55
